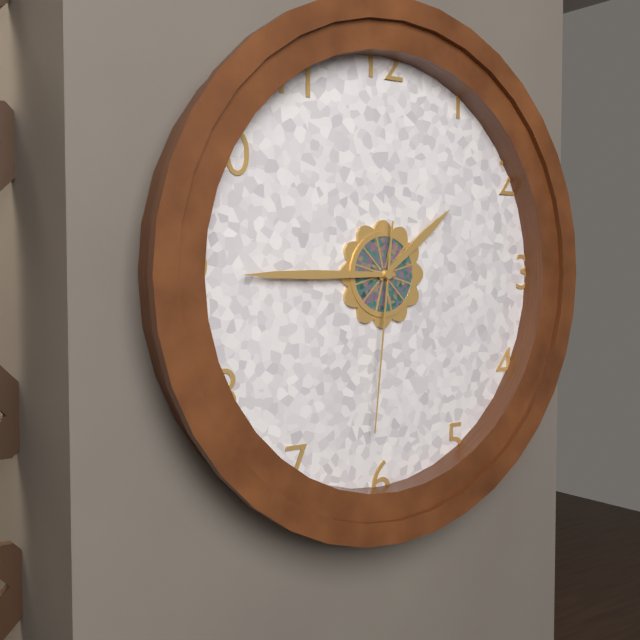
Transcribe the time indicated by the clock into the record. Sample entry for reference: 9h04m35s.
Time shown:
1h45m31s
